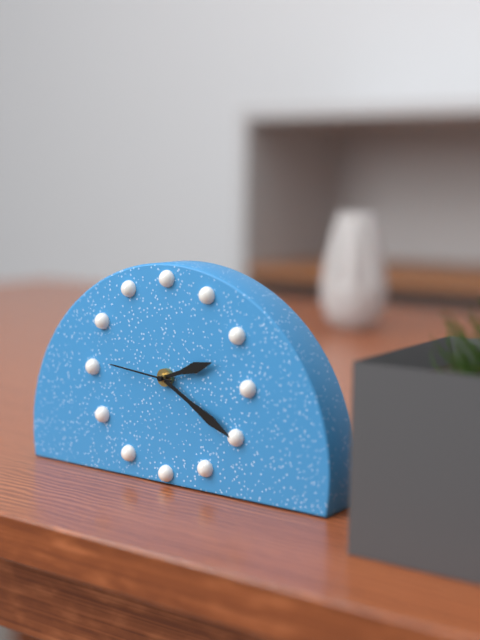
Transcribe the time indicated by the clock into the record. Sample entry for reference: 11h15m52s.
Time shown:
2h20m46s
